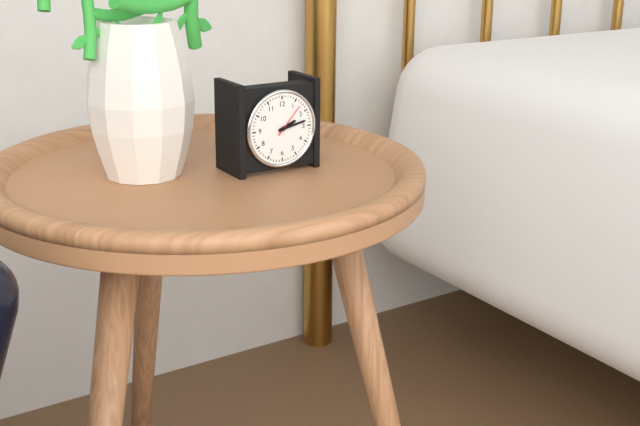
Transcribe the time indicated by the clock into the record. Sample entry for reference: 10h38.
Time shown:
2h13
